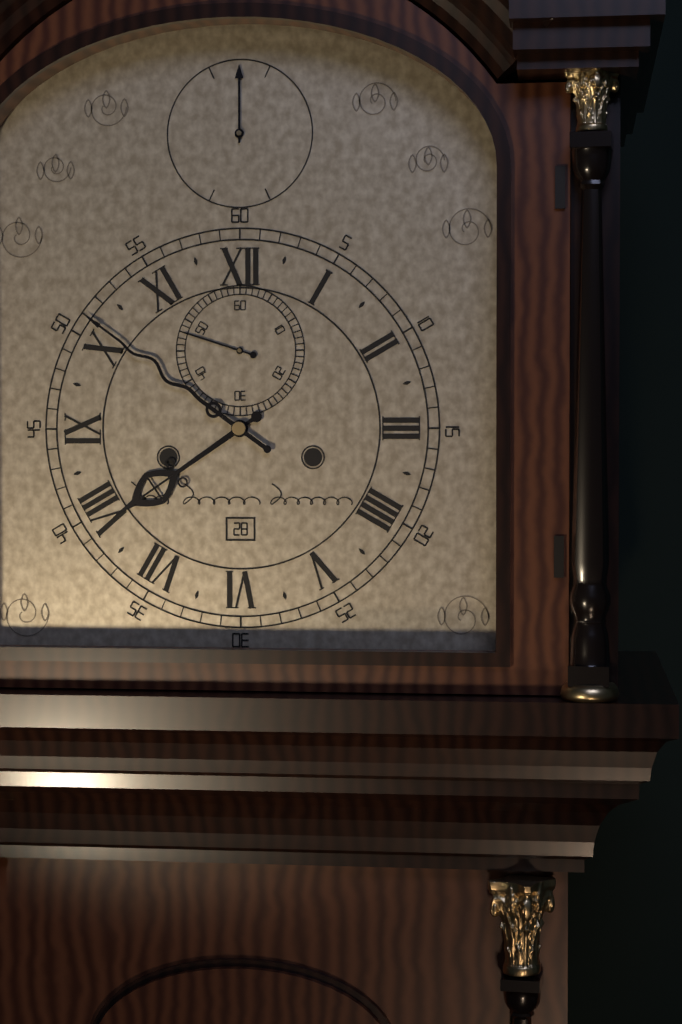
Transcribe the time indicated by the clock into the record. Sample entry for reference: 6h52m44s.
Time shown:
7h51m48s
